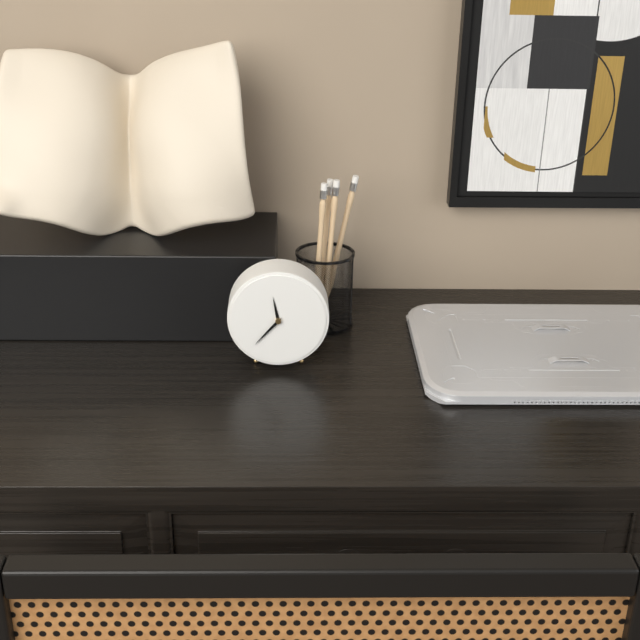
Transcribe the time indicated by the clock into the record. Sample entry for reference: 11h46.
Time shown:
11h37
